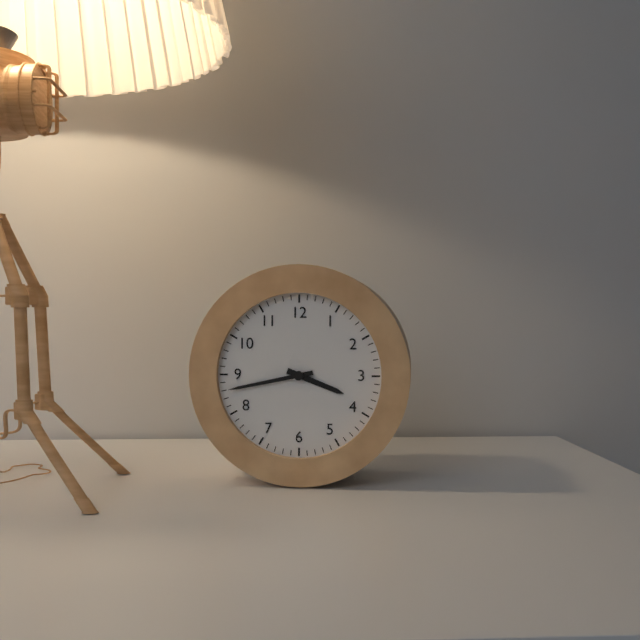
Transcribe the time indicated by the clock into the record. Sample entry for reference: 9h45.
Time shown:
3h43
